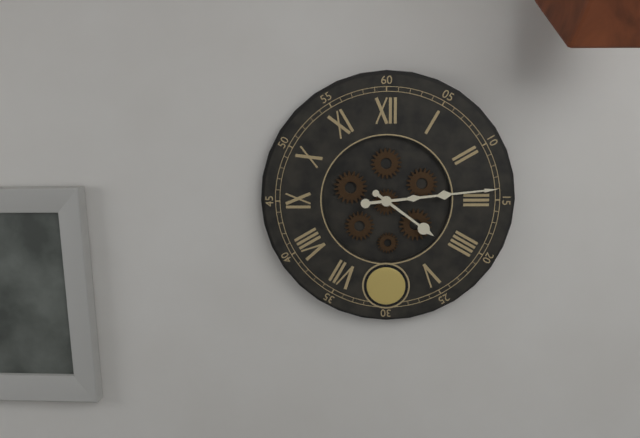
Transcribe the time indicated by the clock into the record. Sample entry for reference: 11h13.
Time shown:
4h14
